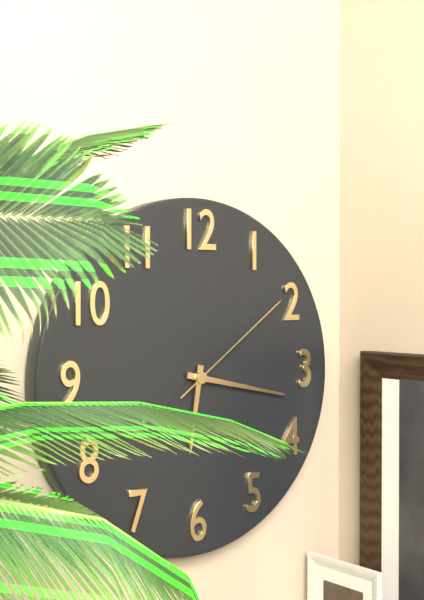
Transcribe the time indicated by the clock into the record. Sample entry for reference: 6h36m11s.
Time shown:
6h17m09s
